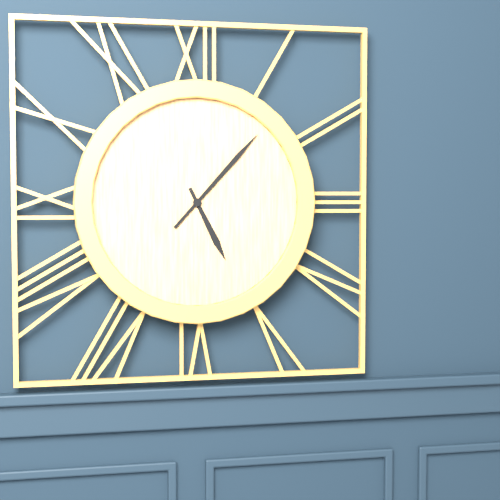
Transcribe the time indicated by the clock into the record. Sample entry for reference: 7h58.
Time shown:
5h07
